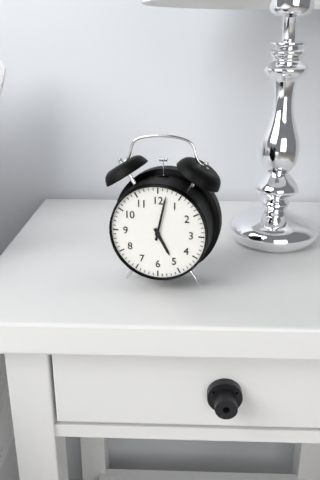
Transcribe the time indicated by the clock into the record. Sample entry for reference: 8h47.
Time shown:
5h02
